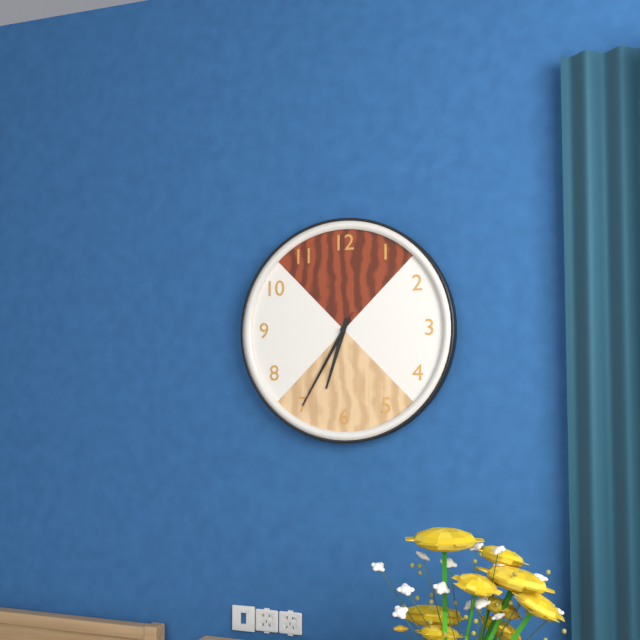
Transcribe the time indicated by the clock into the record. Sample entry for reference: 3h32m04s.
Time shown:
6h35m35s
